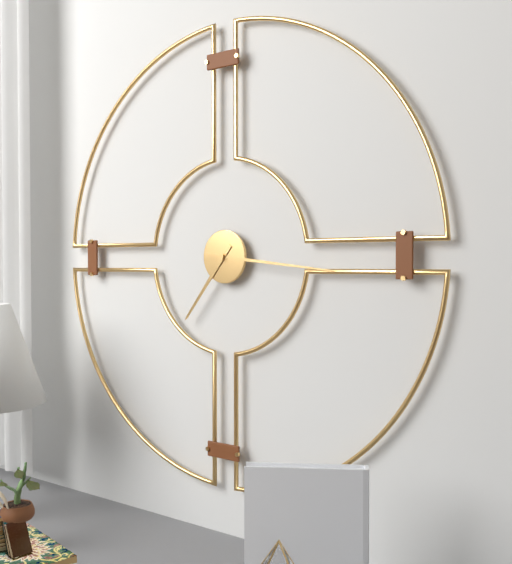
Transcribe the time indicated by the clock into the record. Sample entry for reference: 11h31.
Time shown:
7h16
